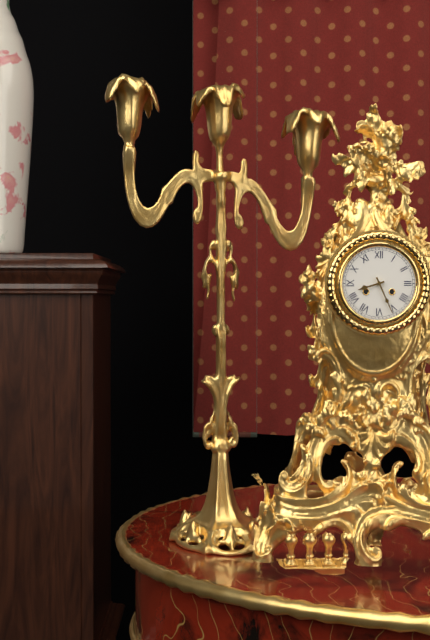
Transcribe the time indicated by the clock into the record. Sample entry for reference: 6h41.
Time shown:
8h26
